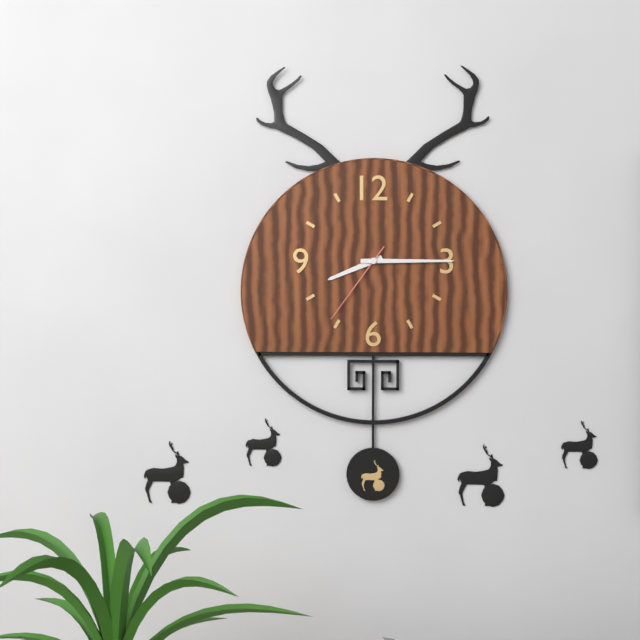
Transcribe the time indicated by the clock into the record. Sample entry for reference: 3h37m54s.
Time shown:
8h15m36s
